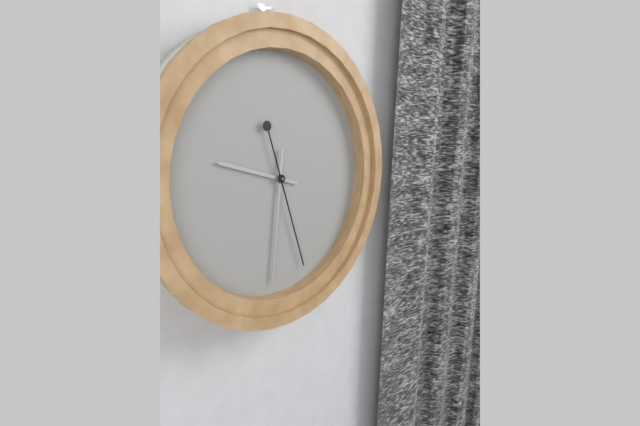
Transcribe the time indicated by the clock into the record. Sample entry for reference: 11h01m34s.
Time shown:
9h31m27s
